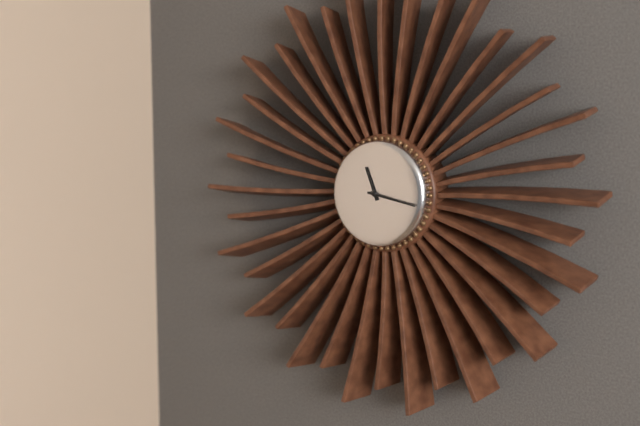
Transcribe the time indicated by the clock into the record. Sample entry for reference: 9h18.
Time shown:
11h17
